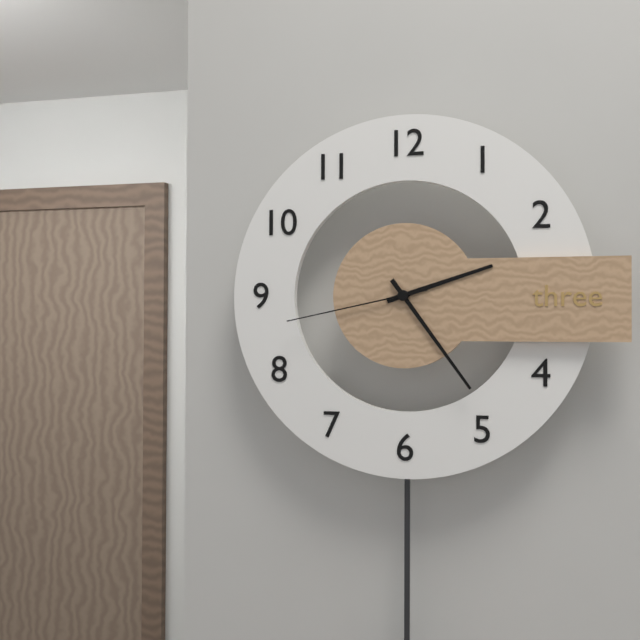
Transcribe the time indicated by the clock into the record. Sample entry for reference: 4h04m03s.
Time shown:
2h24m43s
